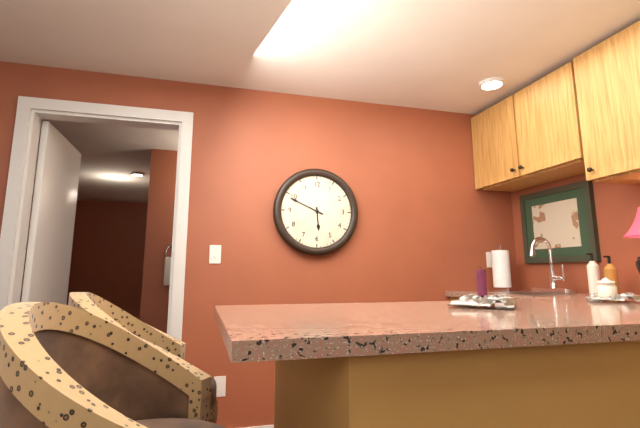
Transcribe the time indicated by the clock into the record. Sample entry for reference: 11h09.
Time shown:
5h49
